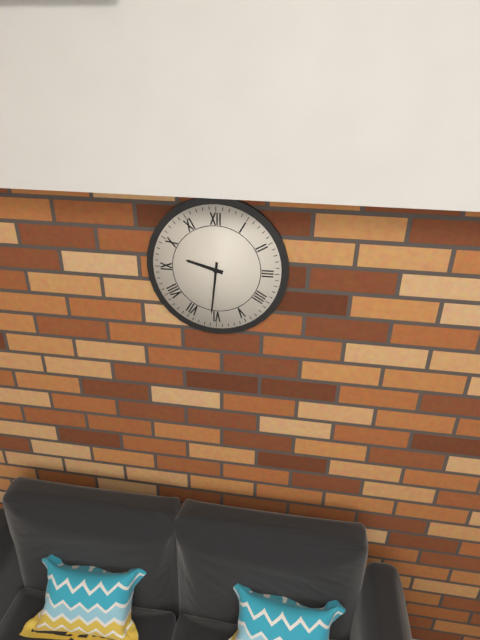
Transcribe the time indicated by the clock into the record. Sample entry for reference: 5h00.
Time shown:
9h31
